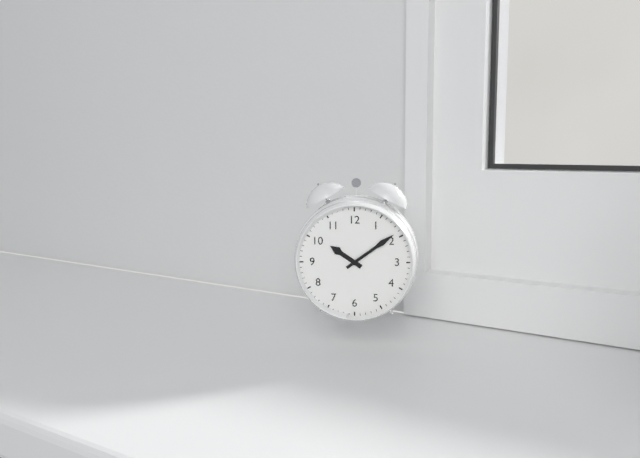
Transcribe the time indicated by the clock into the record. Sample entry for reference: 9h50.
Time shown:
10h09
